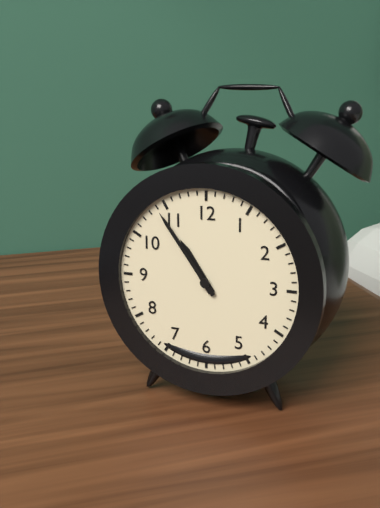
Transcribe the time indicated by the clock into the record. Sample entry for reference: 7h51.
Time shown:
10h54
